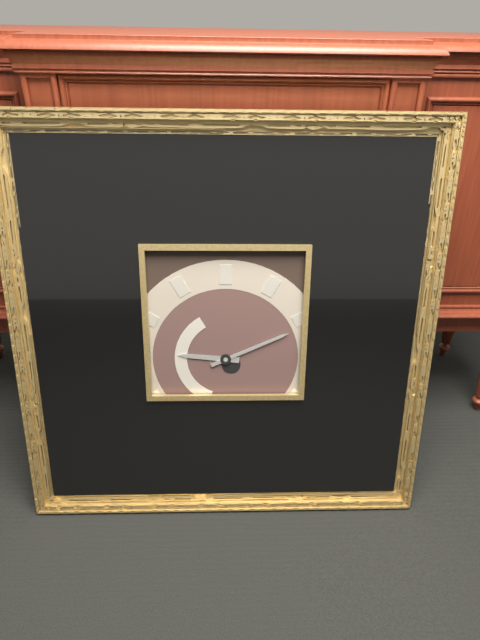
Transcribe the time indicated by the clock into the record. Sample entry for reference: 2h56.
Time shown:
9h11
